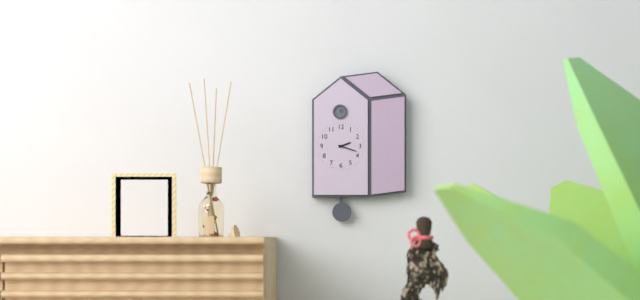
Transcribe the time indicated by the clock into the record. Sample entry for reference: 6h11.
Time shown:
2h18
